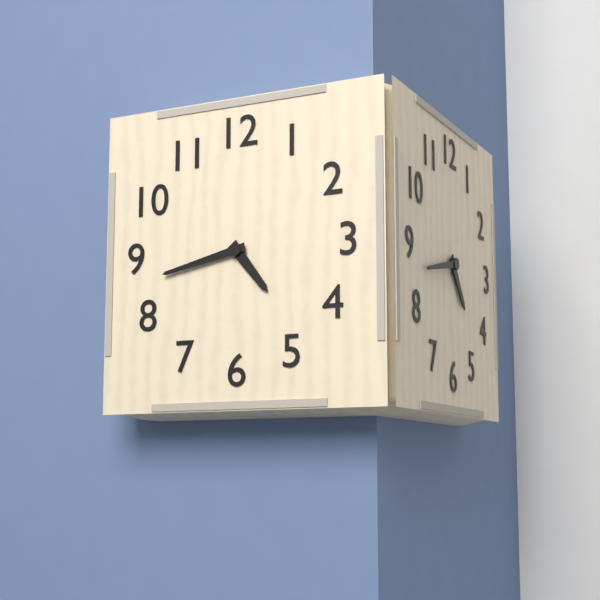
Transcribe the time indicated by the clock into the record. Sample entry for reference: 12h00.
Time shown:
4h43
